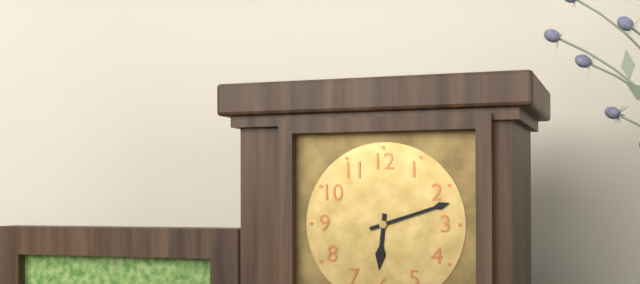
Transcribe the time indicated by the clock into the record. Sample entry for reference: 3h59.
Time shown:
6h12
